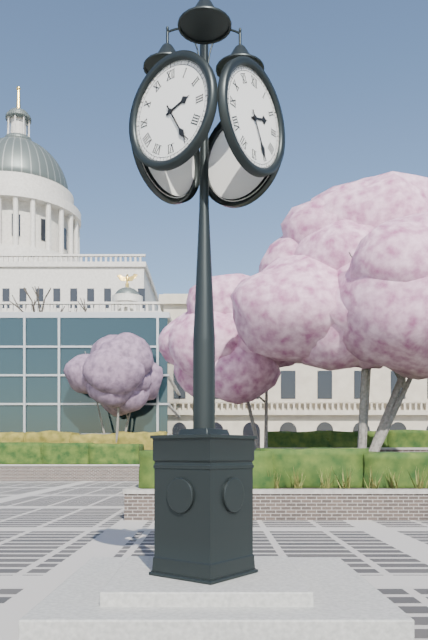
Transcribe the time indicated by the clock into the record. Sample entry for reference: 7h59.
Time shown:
2h25
